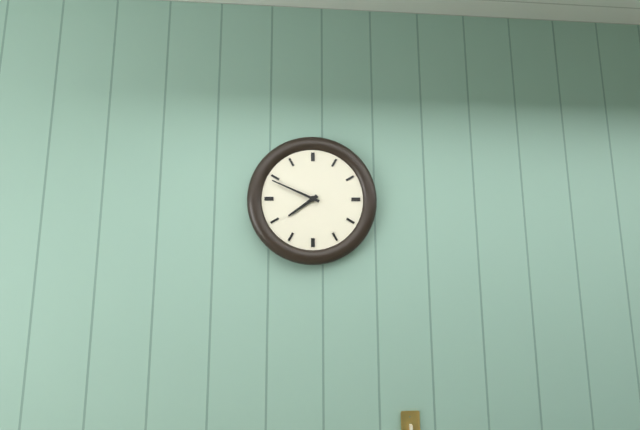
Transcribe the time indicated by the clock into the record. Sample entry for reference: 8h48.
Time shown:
7h49
